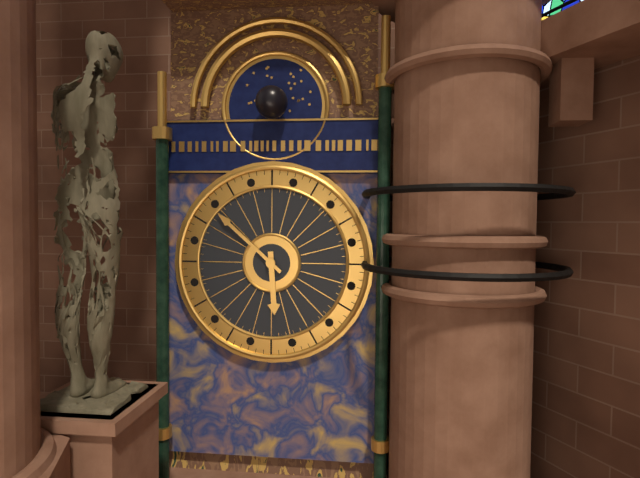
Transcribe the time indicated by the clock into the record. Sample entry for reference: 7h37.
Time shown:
5h52
